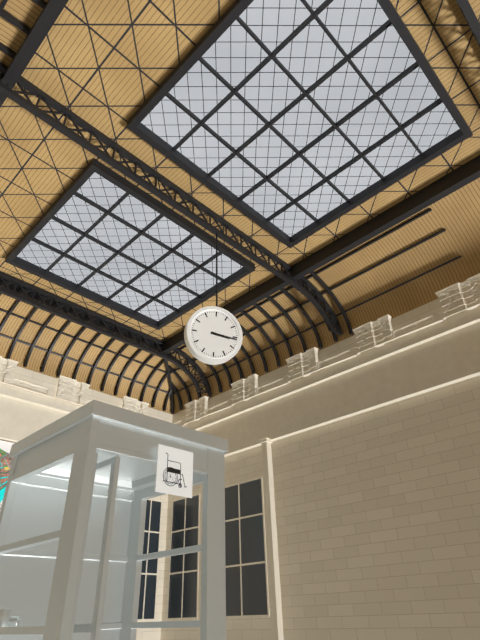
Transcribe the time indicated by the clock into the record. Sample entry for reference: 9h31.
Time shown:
3h16
